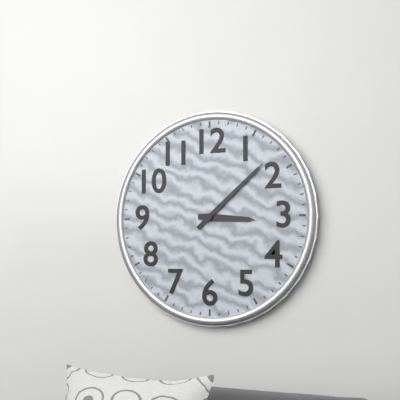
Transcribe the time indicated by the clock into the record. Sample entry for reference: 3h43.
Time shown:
3h08
